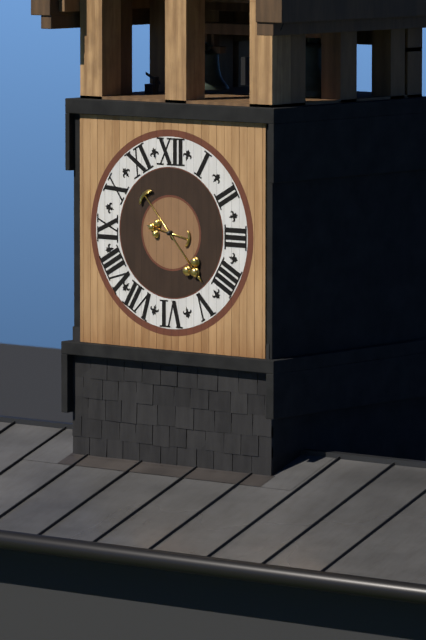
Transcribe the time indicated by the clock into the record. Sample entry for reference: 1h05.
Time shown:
9h23
